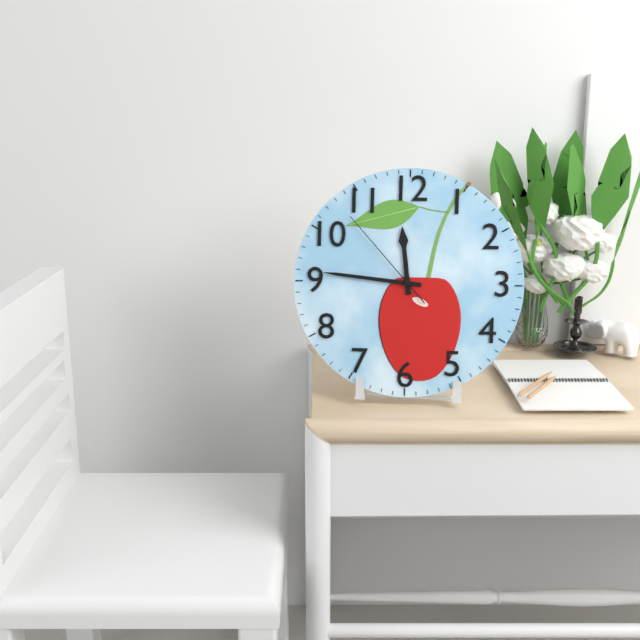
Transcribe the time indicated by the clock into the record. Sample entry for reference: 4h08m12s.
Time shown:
11h46m53s
